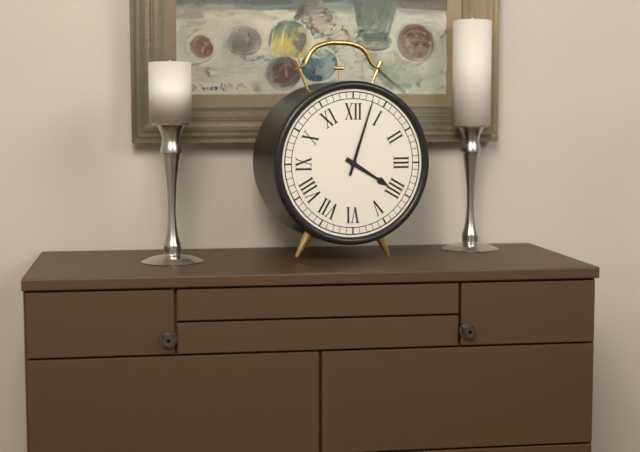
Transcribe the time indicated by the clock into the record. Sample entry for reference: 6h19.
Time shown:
4h03
